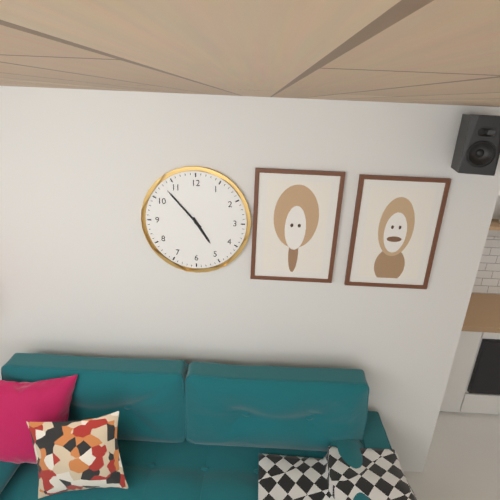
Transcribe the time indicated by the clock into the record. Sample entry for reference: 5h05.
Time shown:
4h53
